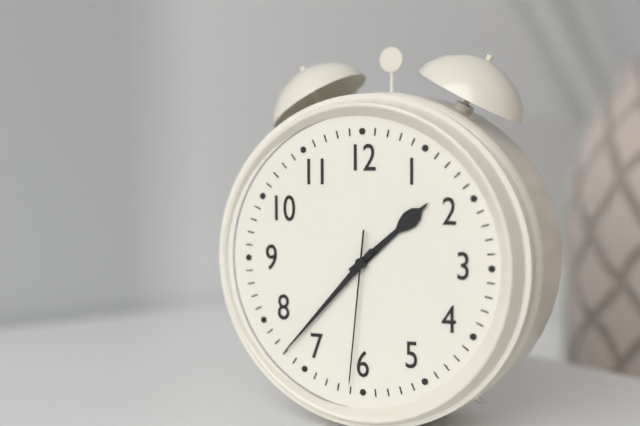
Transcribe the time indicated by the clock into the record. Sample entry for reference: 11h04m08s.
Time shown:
1h37m31s
